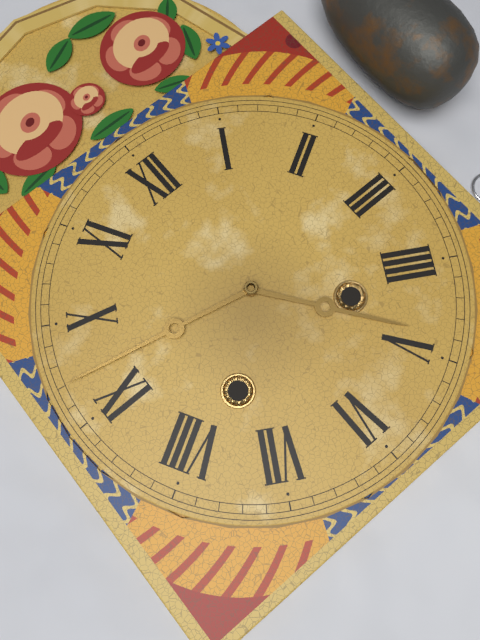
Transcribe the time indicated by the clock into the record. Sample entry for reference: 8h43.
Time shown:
4h47
